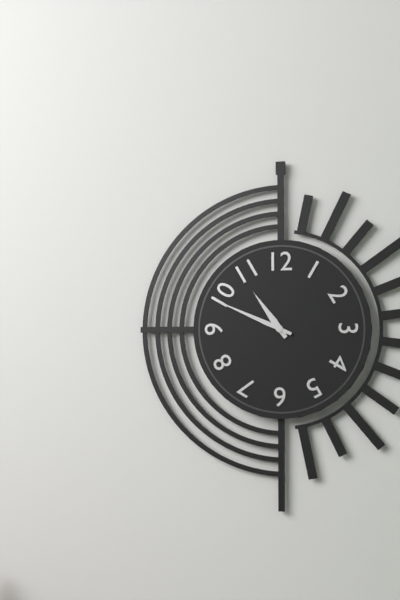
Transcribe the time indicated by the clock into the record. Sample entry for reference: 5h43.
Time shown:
10h49
